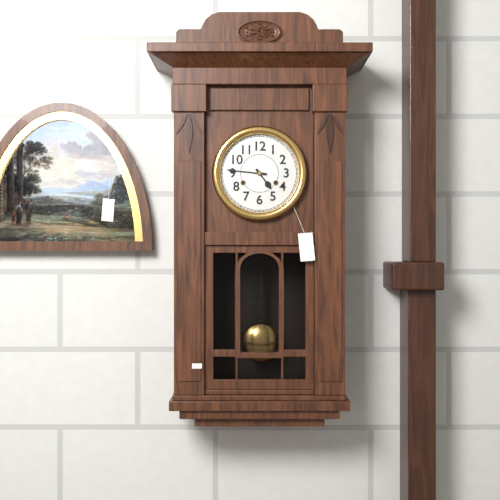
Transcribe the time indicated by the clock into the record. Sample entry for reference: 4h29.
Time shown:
4h46
